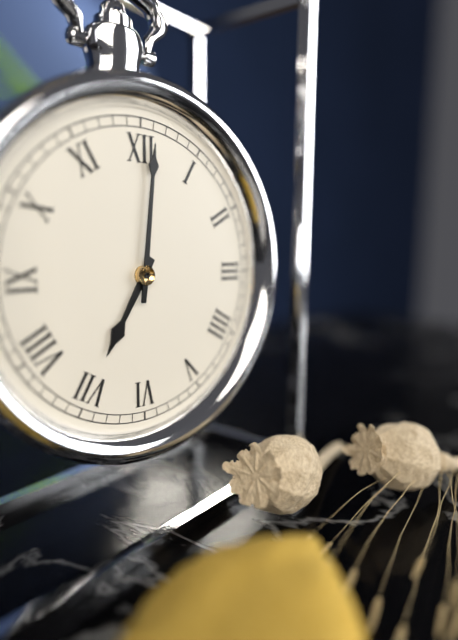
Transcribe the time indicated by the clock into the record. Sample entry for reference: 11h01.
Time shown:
7h01
